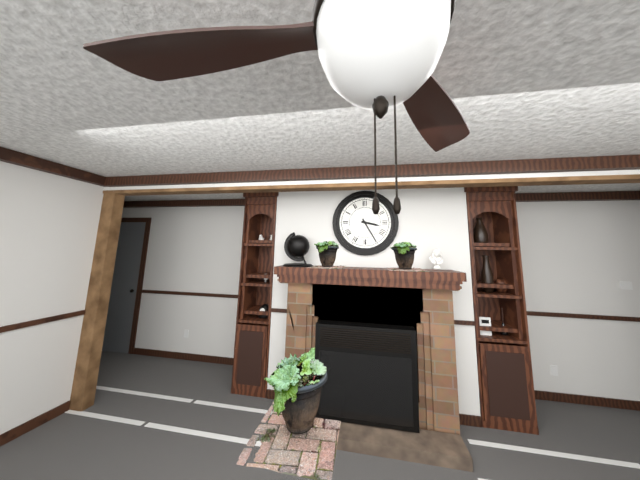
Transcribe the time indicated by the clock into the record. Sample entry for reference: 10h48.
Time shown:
3h25
